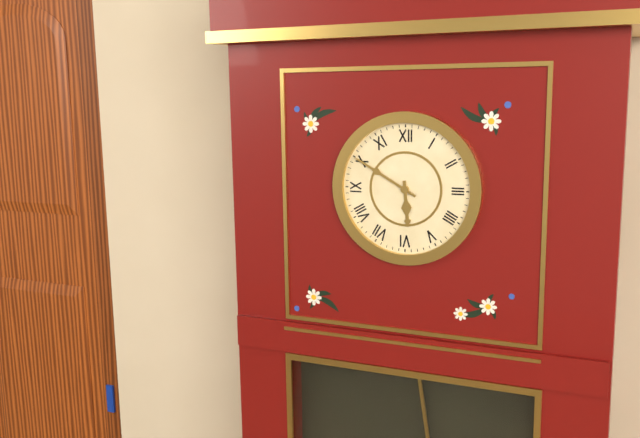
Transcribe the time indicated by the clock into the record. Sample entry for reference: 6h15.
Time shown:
5h50
